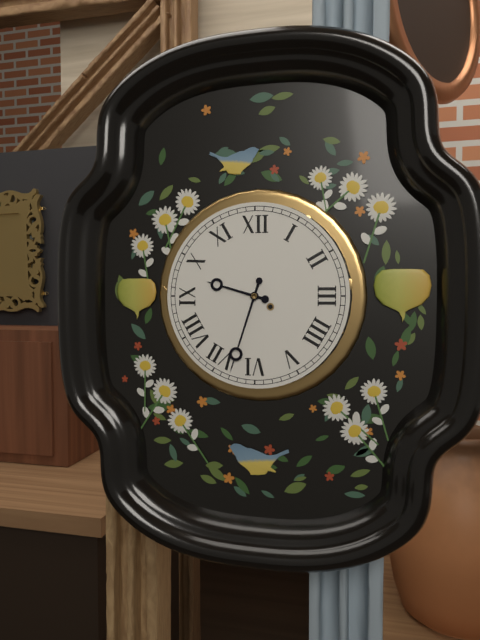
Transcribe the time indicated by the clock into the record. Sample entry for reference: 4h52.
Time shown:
9h33
